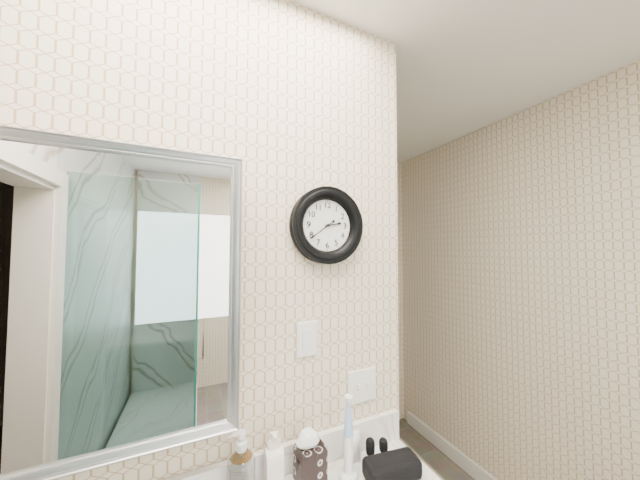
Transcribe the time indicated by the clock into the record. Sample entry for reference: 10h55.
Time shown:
2h39
